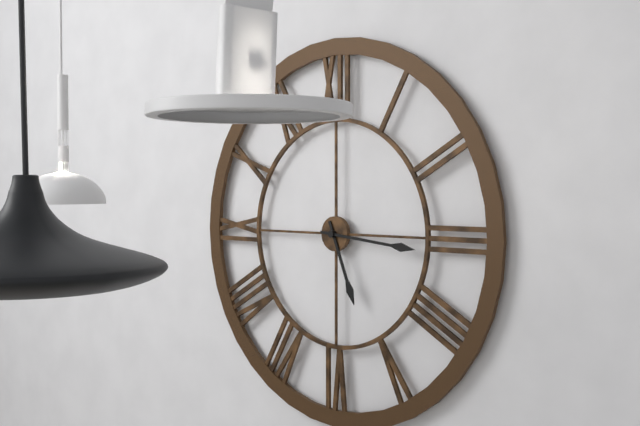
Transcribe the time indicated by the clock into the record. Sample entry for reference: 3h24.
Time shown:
5h16
